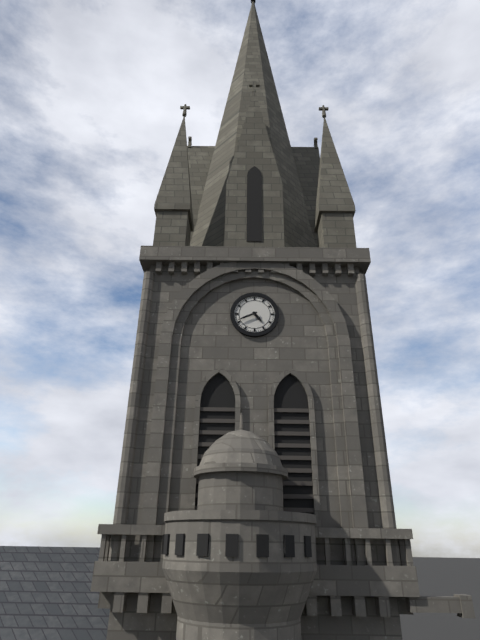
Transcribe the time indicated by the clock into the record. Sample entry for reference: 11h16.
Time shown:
4h41
